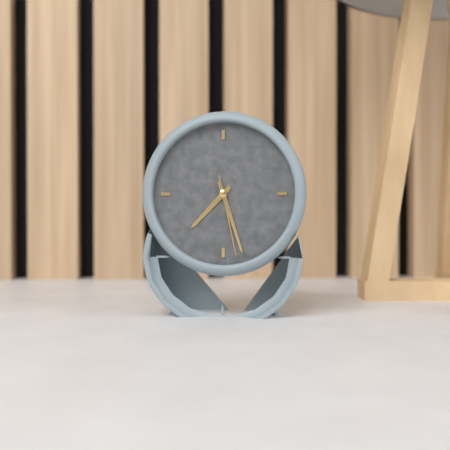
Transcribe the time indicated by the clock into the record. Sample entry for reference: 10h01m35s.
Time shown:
7h27m28s
